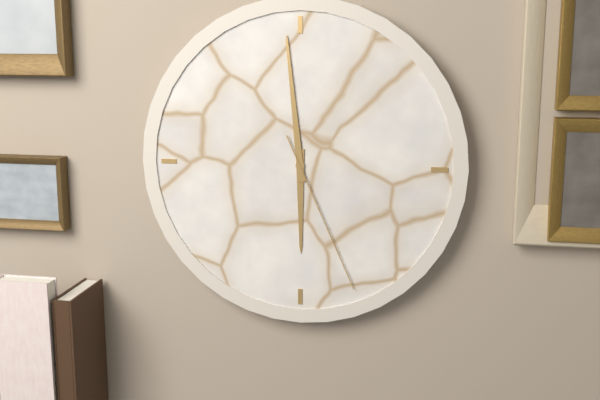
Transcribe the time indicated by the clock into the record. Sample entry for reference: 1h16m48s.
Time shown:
5h59m26s
